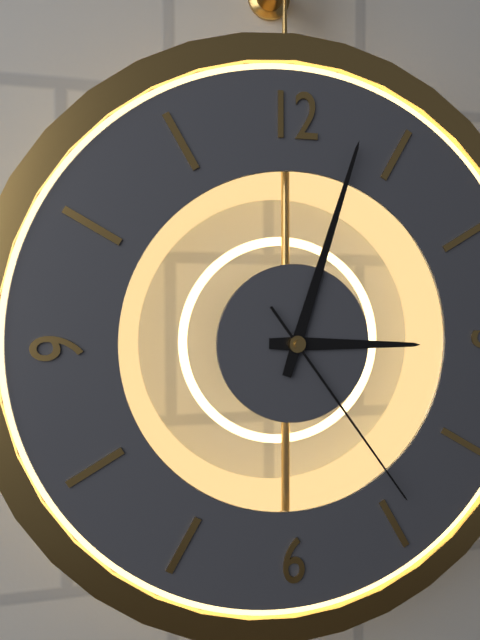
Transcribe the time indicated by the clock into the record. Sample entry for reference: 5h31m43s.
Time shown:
3h03m24s
